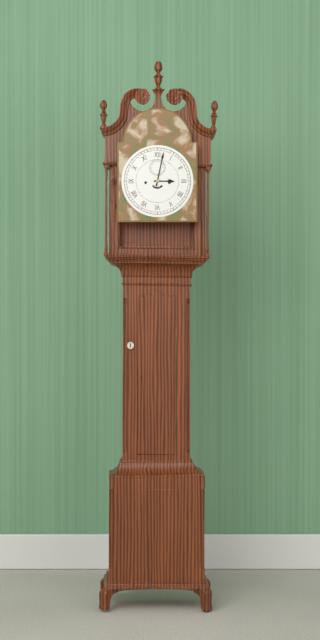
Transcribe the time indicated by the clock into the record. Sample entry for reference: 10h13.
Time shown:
3h02
